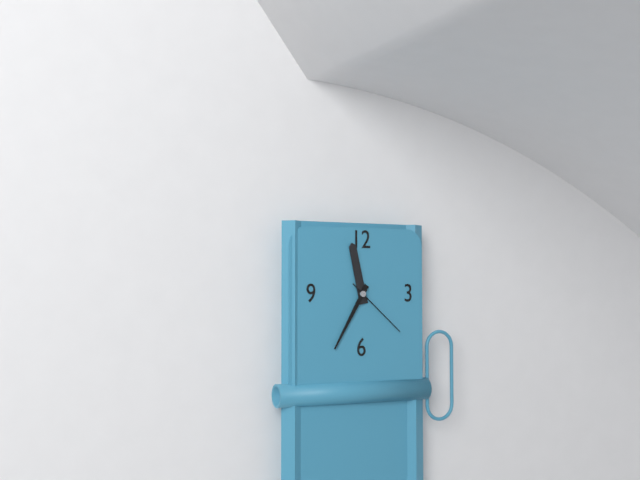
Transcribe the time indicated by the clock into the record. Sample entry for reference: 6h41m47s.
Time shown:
11h35m22s
